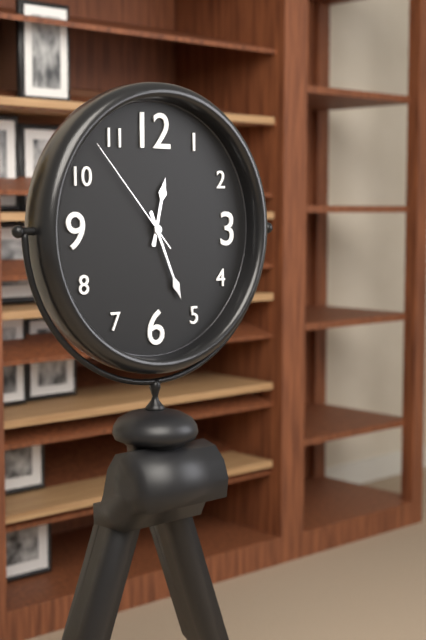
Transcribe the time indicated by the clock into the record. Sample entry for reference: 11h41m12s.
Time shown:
12h26m53s
